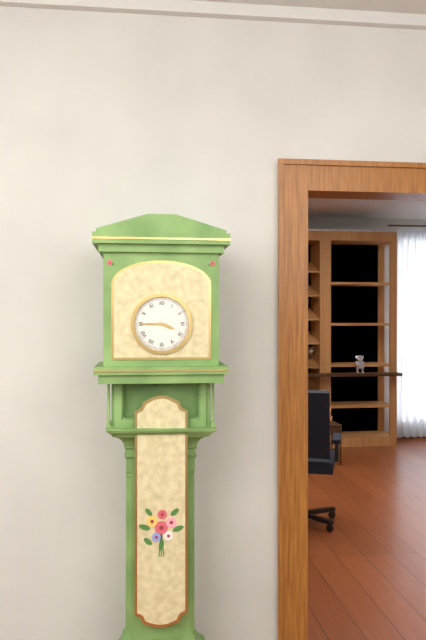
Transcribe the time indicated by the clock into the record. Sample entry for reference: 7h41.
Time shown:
3h45
